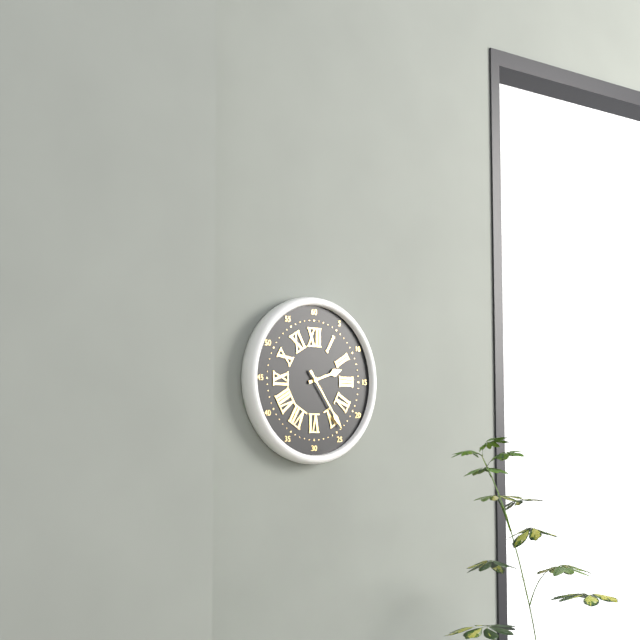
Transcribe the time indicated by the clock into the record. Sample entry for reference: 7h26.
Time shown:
2h24
